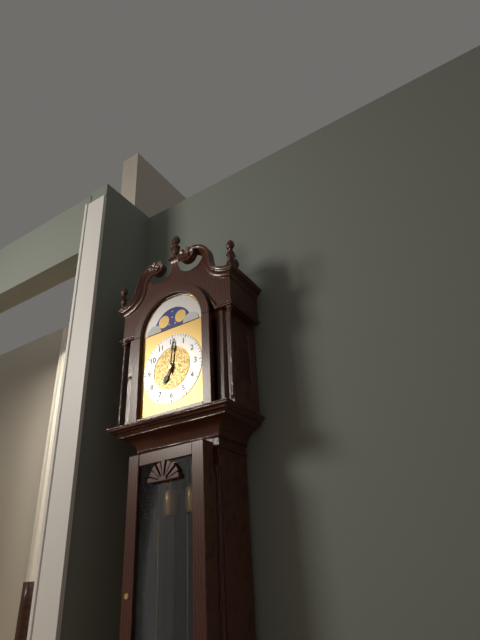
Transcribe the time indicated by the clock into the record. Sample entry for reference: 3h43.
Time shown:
7h01
